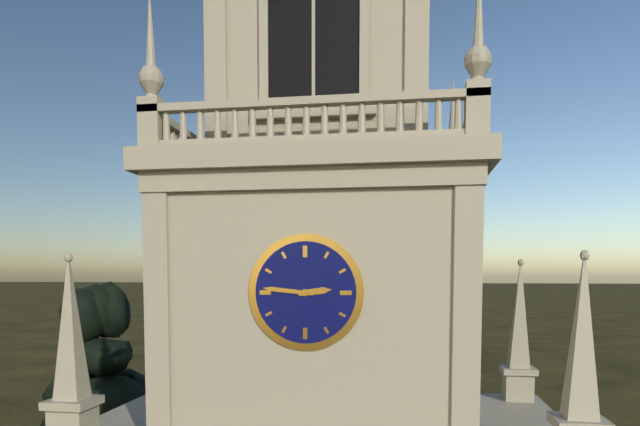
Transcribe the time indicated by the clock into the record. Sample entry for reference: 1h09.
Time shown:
2h46
